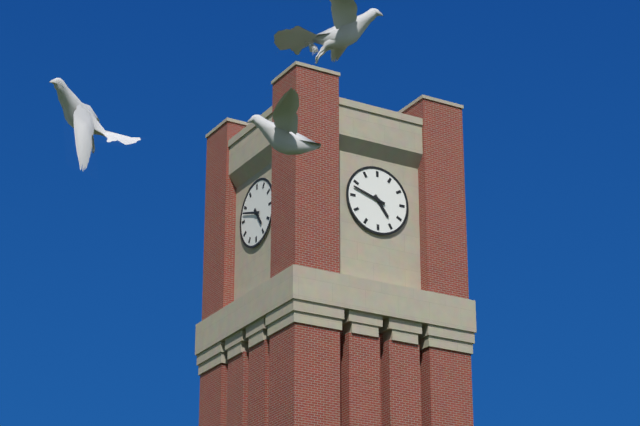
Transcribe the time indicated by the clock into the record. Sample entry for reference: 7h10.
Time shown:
4h48
